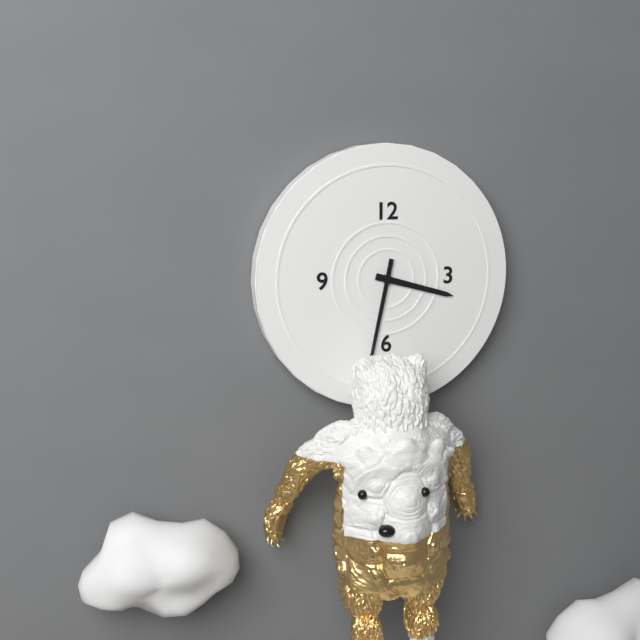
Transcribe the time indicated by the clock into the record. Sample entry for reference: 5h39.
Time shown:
3h32
